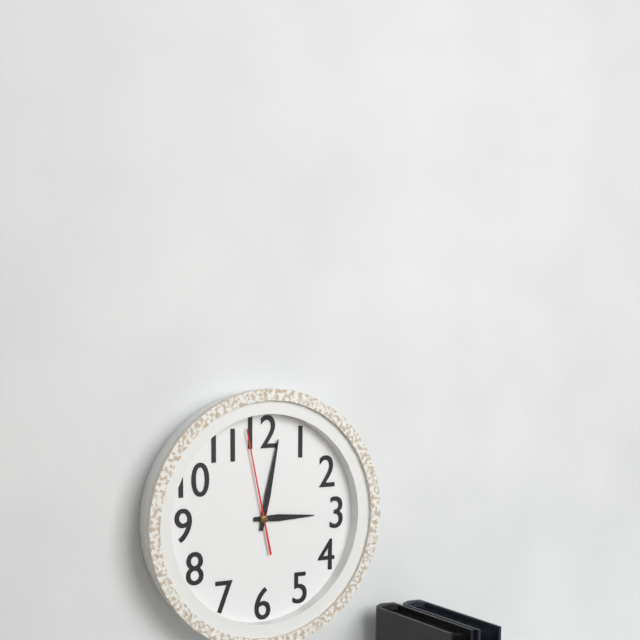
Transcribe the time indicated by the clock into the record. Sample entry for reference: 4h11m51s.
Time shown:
3h02m58s
